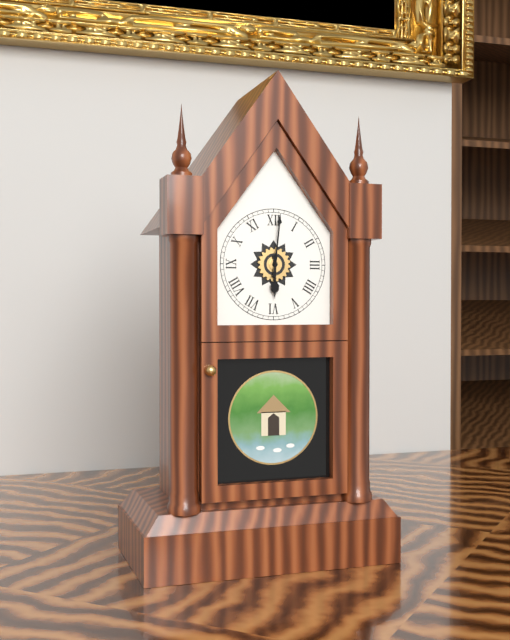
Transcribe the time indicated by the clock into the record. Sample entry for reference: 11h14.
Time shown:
6h01
